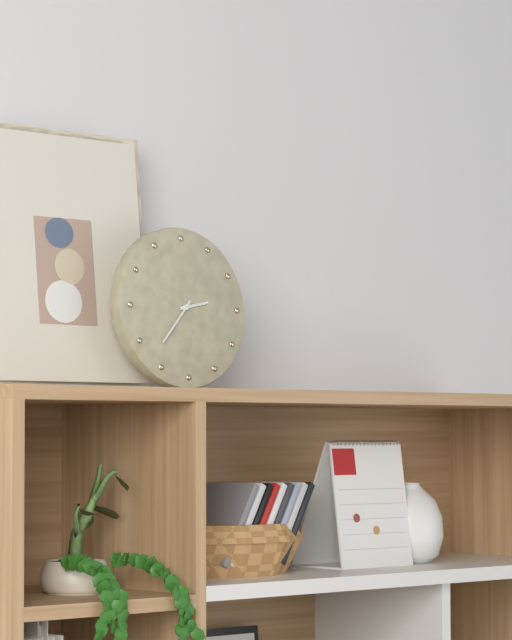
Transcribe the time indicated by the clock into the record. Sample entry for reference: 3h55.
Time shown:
2h37
